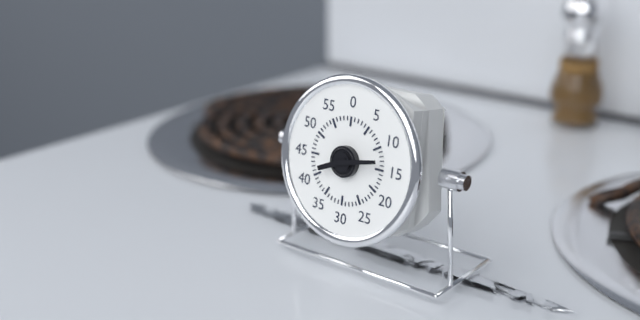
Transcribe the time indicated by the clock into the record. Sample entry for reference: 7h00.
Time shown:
8h13
